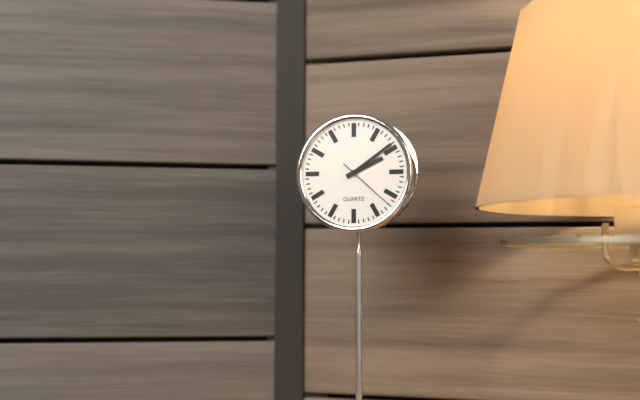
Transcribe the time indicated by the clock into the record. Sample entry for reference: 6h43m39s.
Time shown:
2h09m22s
